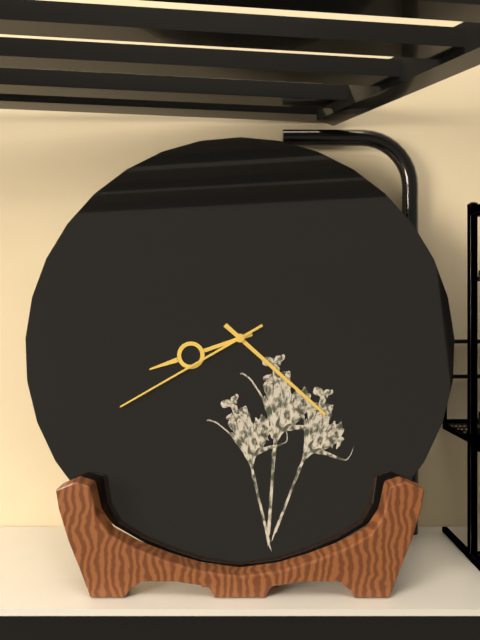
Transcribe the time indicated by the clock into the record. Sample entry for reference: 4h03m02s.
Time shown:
8h22m40s
